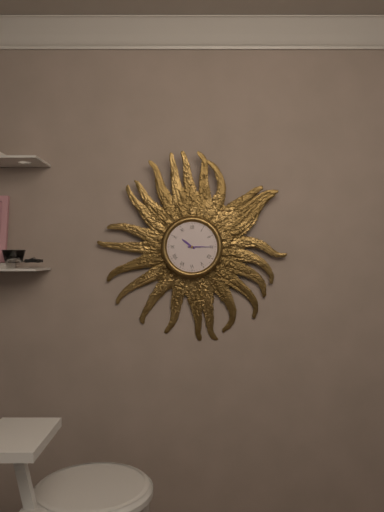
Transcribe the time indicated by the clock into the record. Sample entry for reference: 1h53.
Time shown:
10h15
